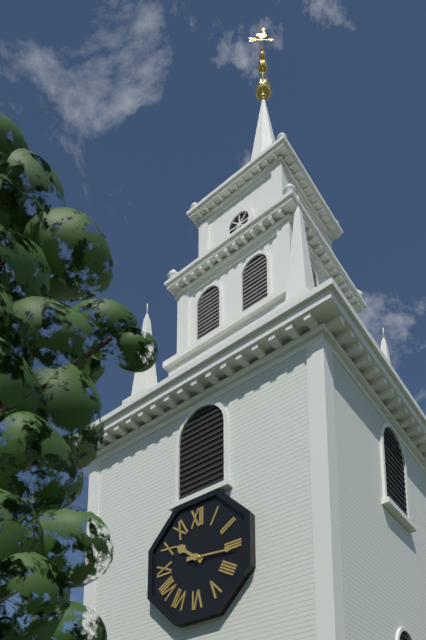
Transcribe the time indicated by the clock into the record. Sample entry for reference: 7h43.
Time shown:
10h16
